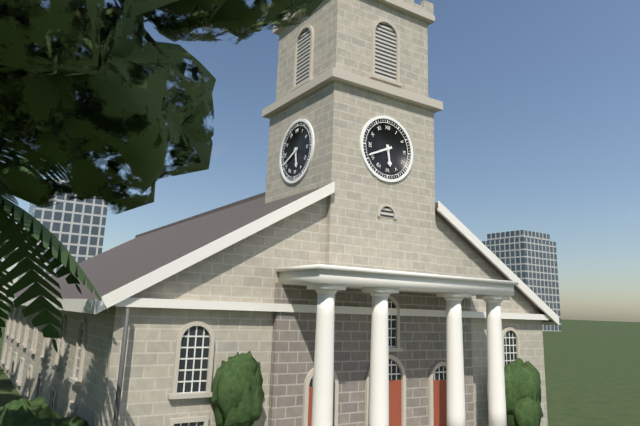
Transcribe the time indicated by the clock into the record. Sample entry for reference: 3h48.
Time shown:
5h41
